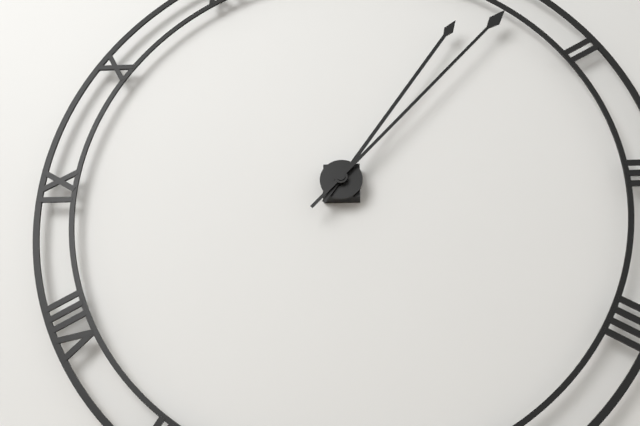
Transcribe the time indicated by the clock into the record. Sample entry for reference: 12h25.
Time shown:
1h07
